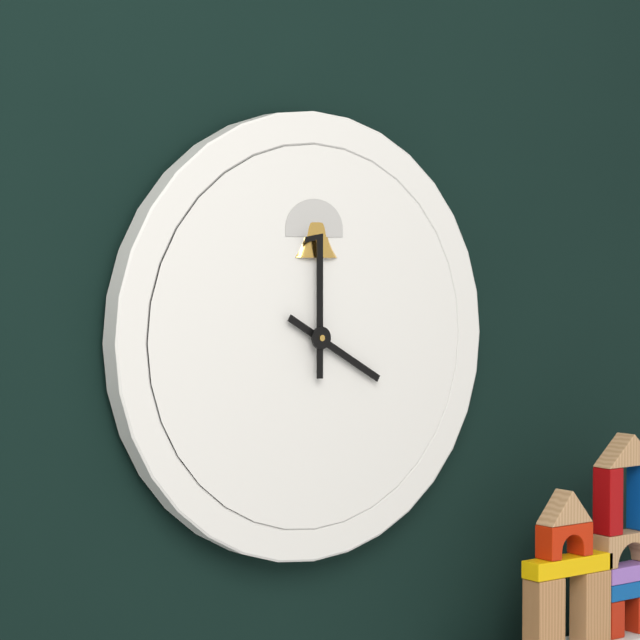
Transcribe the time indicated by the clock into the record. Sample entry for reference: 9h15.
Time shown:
4h00
